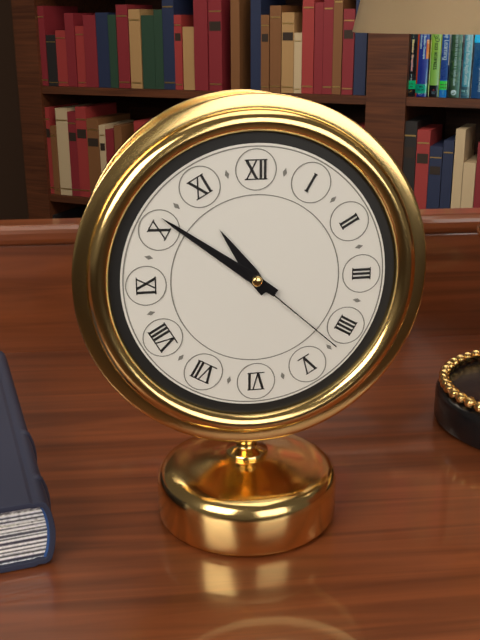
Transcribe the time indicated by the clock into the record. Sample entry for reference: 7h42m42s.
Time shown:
10h51m22s
